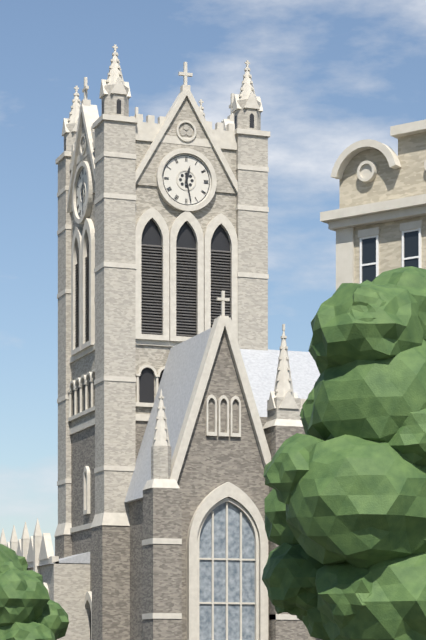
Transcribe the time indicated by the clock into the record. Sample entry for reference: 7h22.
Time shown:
12h28
